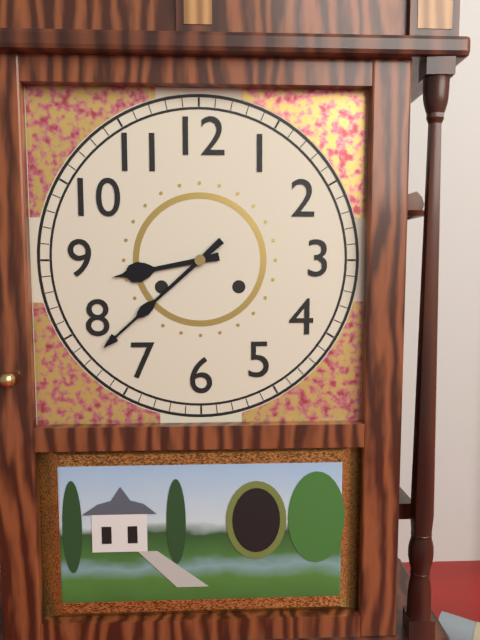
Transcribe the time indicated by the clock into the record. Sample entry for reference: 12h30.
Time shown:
8h38
